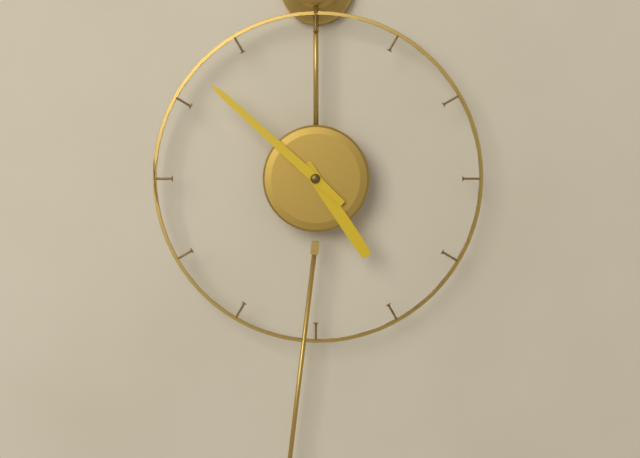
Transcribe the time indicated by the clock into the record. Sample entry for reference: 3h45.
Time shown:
4h52
